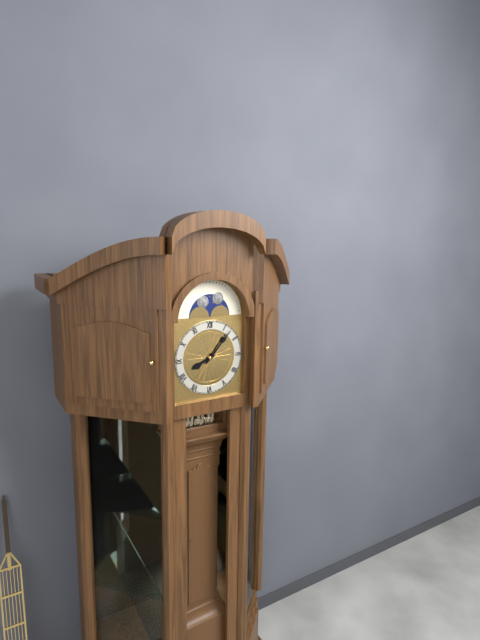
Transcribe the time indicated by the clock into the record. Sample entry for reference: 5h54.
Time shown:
8h07
